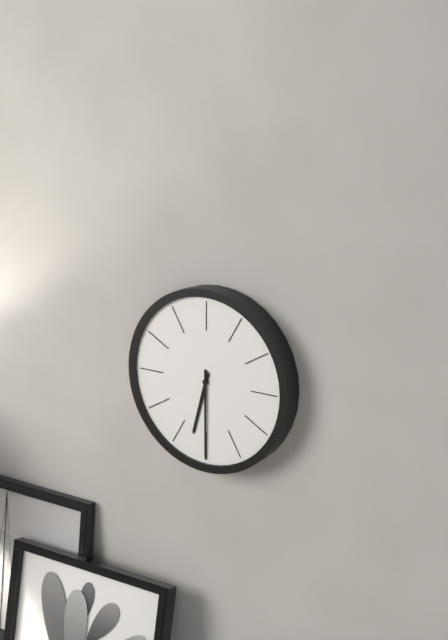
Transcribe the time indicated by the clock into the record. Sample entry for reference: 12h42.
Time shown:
6h30
